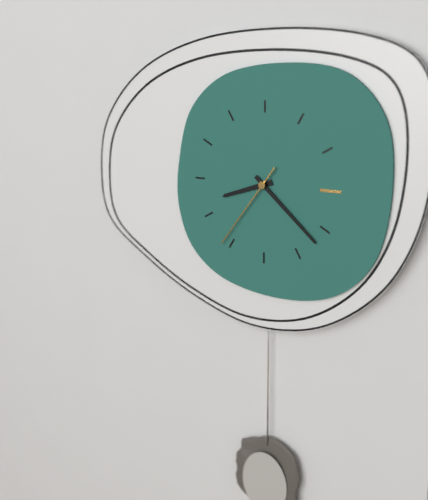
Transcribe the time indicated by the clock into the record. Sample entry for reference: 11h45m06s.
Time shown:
8h22m36s
